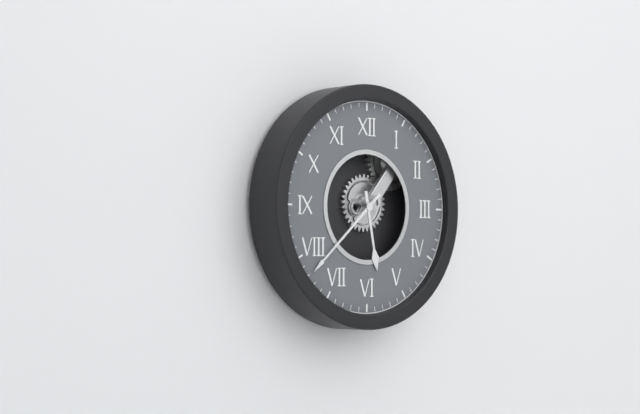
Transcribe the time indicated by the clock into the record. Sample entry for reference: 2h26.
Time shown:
5h38
